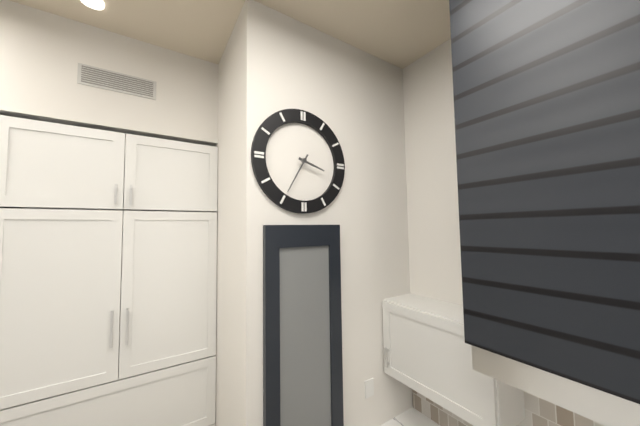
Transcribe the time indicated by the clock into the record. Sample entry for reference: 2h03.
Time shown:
3h35
